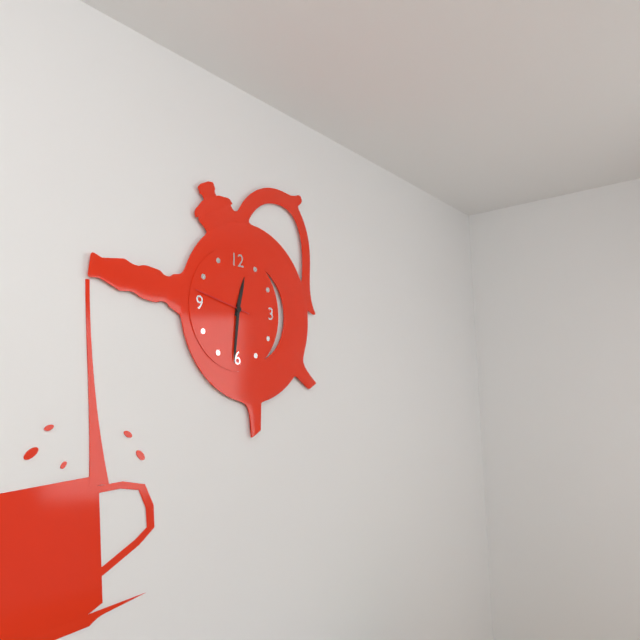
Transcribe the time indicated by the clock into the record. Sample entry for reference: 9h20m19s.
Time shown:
12h31m47s
